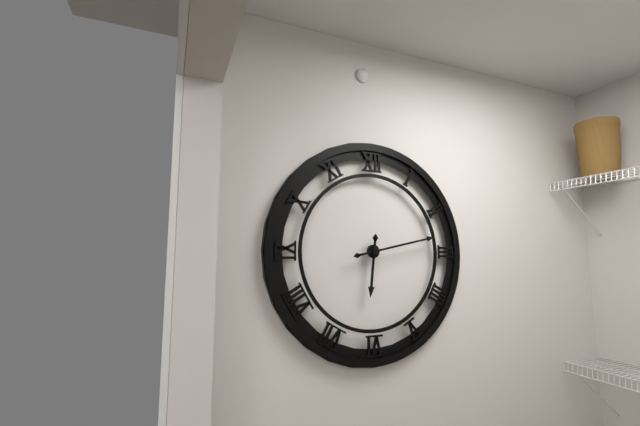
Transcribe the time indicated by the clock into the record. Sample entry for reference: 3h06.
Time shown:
6h13
